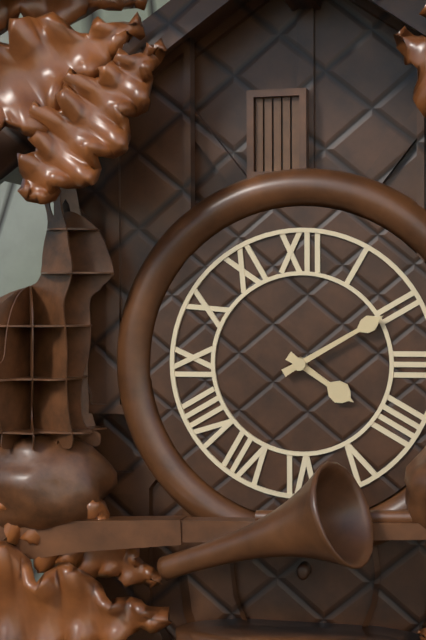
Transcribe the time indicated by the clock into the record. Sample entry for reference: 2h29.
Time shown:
4h10
